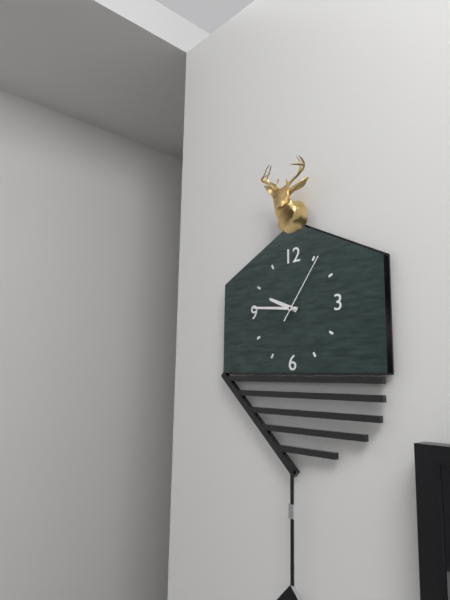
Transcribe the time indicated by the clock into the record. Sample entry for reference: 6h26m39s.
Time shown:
9h46m06s
